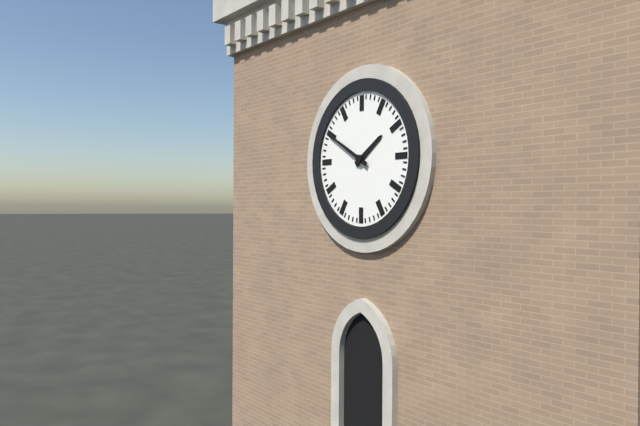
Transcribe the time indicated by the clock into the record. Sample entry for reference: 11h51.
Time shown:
1h50
